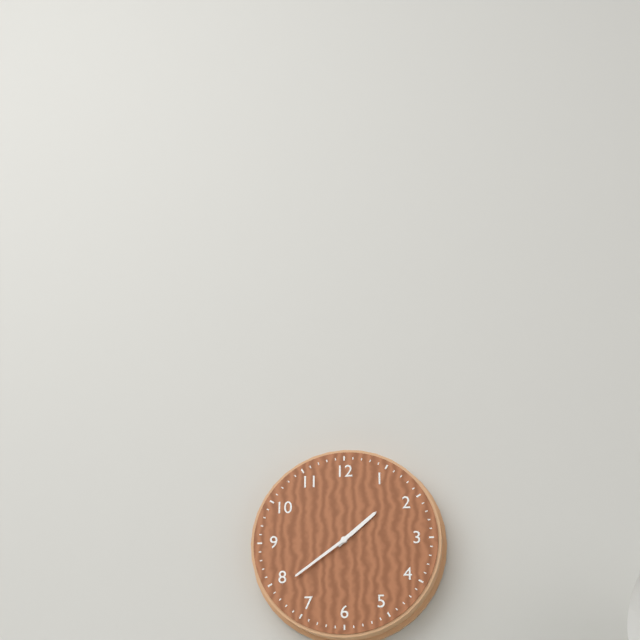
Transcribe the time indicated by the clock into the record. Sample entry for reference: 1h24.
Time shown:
1h39
